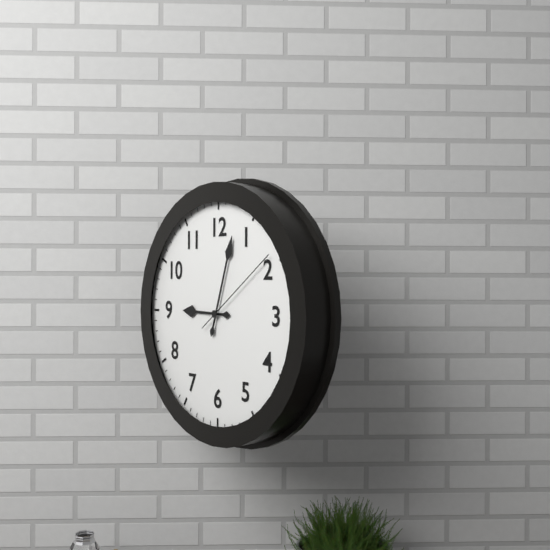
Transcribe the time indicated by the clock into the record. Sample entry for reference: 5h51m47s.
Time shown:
9h03m09s
